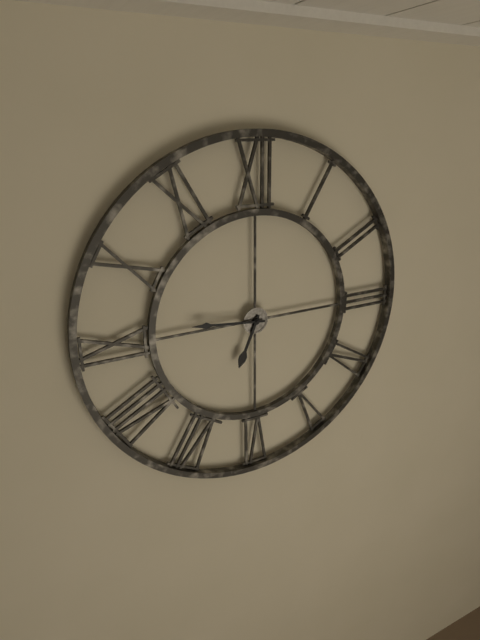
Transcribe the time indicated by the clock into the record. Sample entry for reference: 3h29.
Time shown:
6h46
